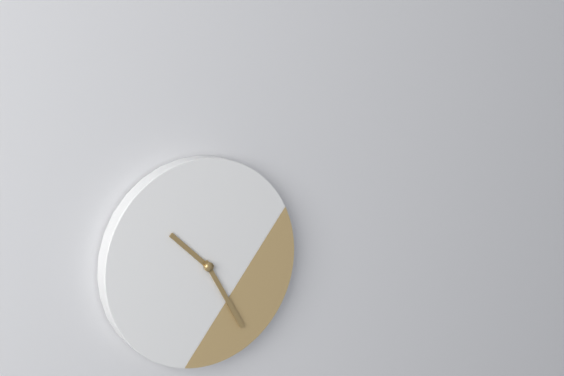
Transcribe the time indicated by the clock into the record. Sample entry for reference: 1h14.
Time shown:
10h25
